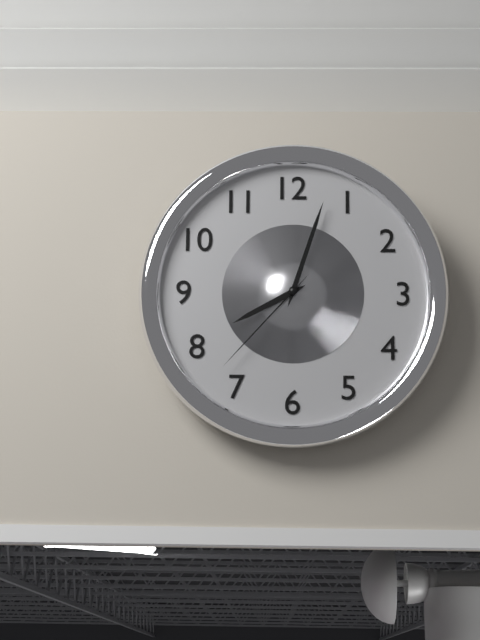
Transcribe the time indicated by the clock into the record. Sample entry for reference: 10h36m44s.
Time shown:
8h03m37s
